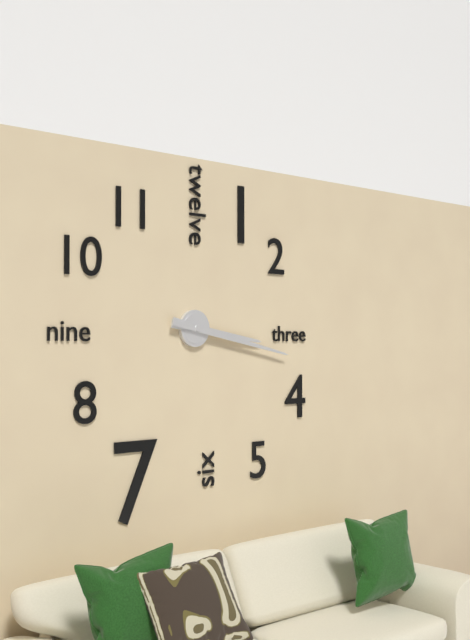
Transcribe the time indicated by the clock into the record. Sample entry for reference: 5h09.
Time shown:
3h17
